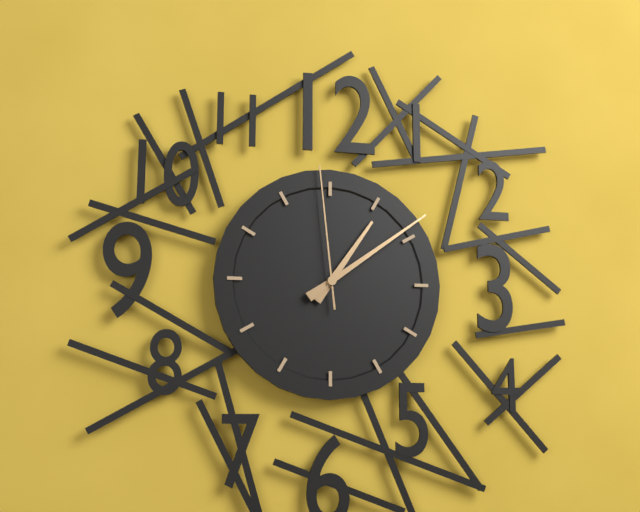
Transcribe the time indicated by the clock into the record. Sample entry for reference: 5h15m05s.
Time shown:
1h09m59s
